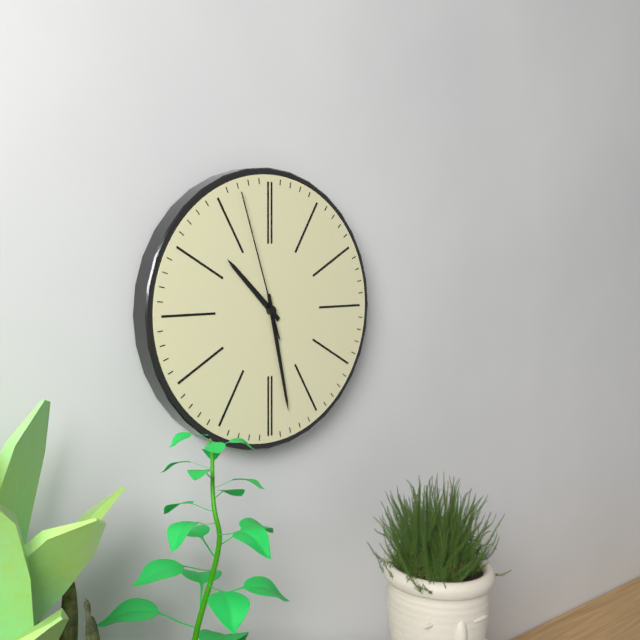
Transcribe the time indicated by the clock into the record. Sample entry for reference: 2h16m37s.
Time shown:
10h28m57s
